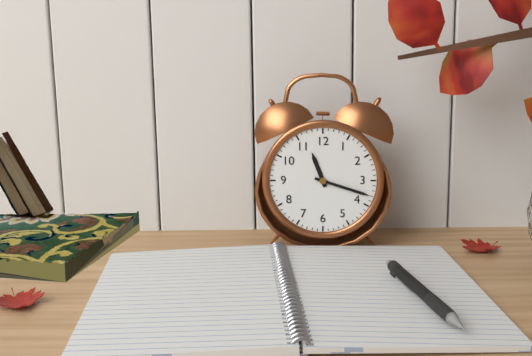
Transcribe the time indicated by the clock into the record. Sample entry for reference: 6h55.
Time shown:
11h18
